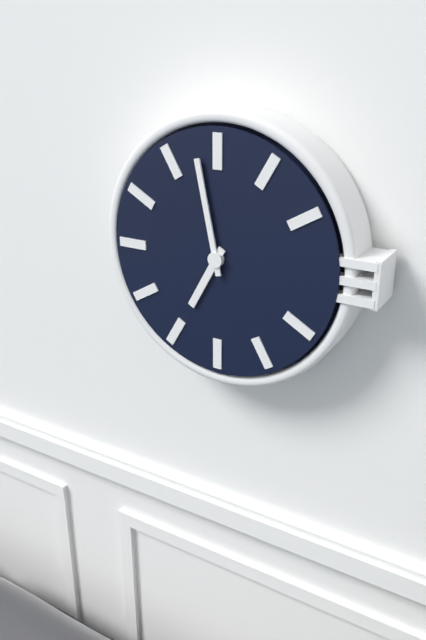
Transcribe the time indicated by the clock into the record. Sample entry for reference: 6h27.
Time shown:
6h58
